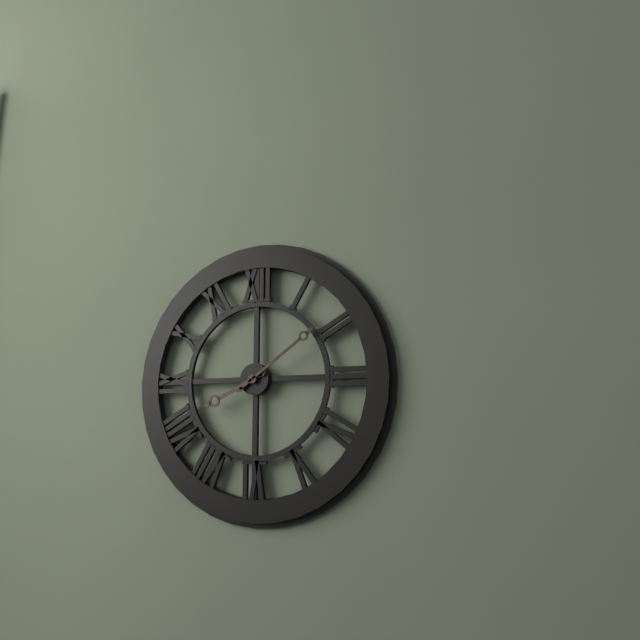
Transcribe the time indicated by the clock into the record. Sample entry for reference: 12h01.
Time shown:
8h09
